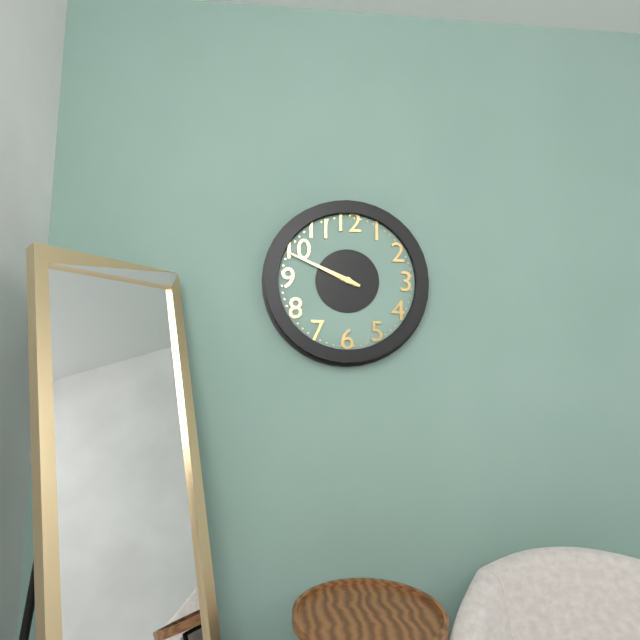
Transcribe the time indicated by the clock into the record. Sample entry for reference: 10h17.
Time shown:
9h49
